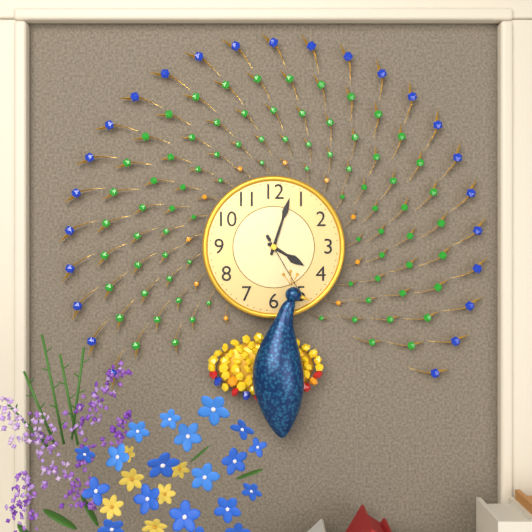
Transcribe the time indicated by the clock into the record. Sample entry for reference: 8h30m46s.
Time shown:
4h03m25s
